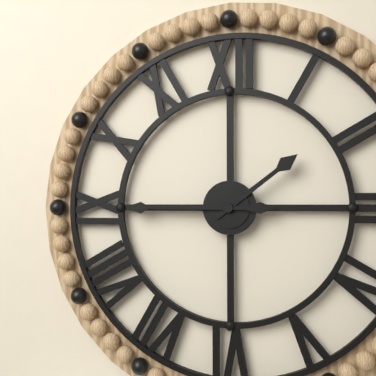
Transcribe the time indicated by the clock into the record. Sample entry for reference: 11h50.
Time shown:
1h45
